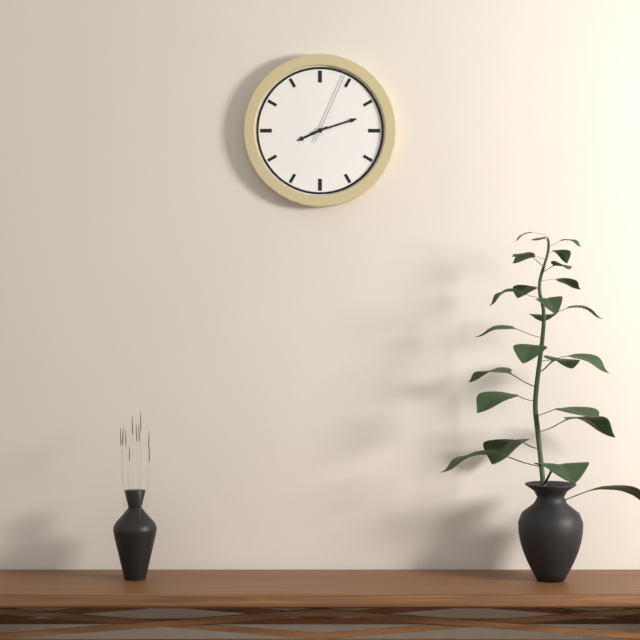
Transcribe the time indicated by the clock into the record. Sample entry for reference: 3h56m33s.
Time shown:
8h12m04s
